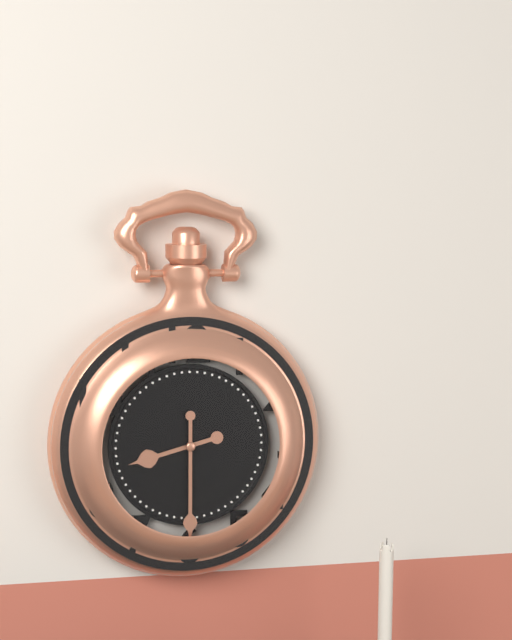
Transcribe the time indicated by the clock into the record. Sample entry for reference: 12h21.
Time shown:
8h30
